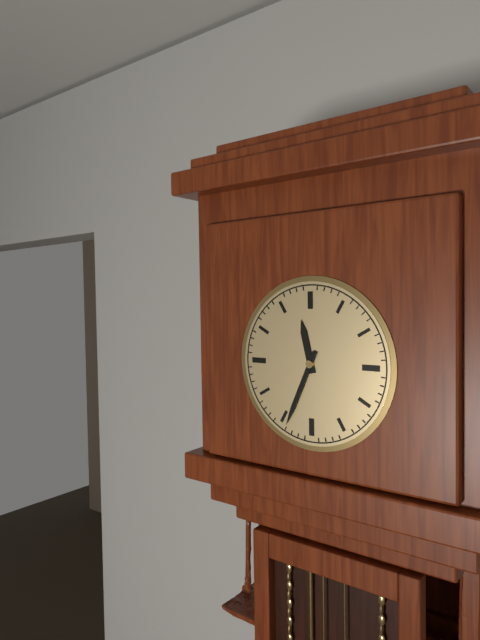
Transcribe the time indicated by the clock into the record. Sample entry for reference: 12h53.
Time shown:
11h34
